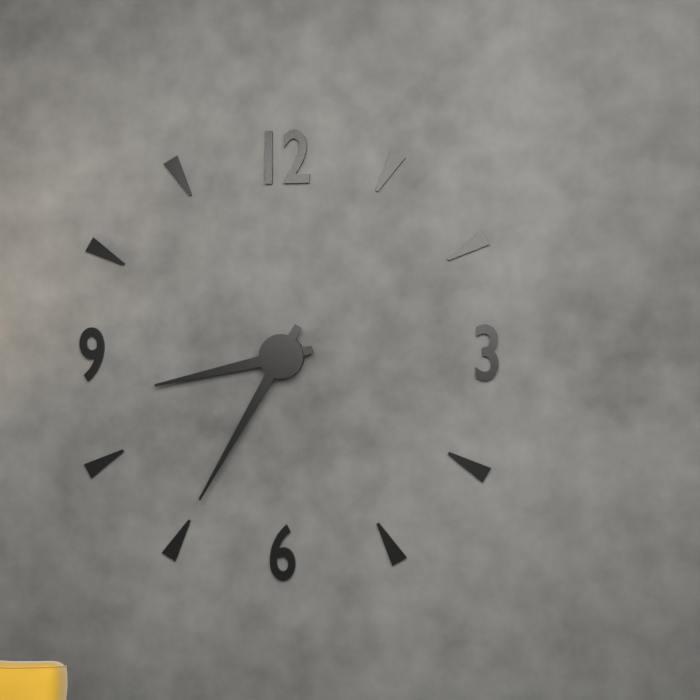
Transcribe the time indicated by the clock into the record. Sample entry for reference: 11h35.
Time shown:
8h35
